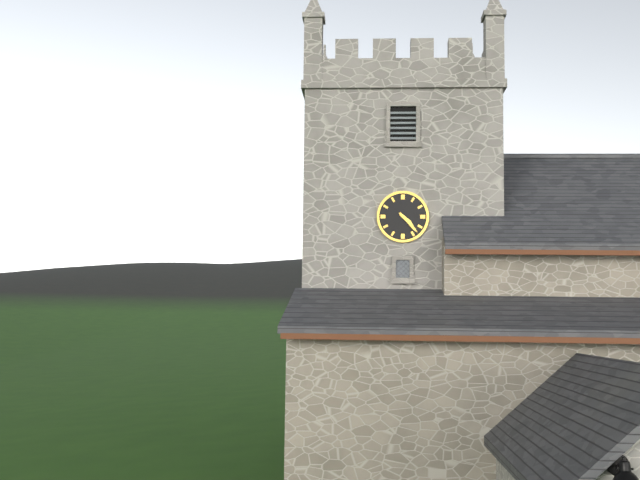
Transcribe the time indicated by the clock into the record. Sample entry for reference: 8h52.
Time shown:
4h23
